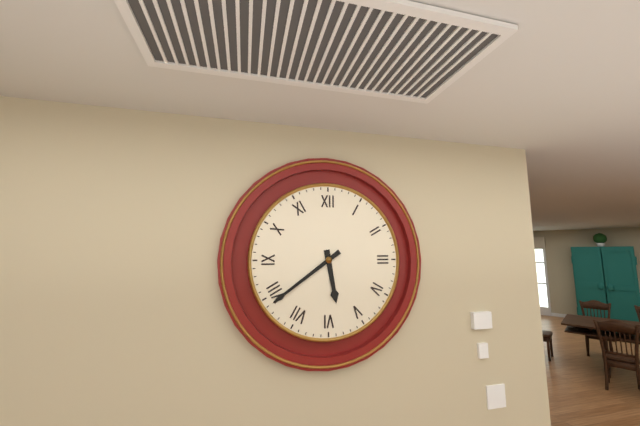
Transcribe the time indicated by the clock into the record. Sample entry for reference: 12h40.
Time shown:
5h39
